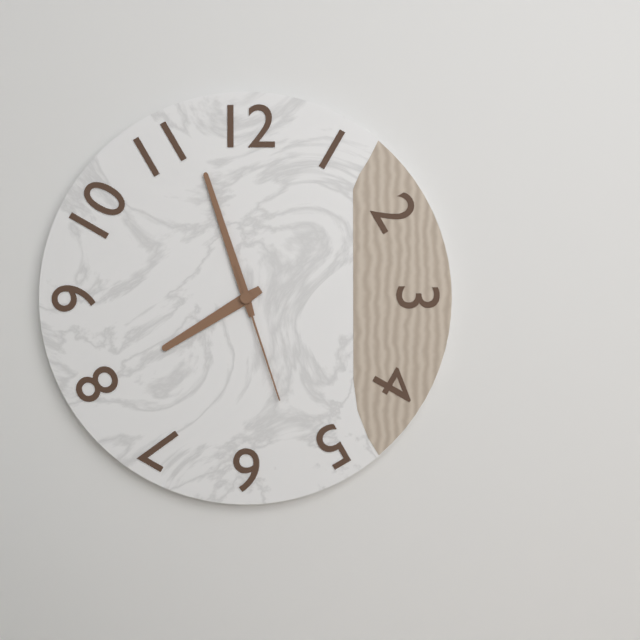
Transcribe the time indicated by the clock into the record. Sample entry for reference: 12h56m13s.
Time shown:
7h57m27s
